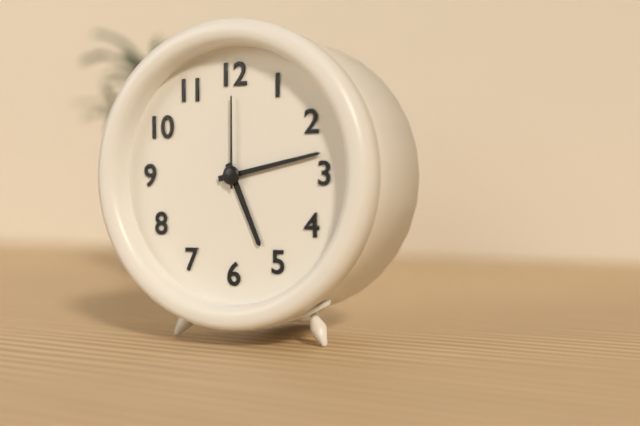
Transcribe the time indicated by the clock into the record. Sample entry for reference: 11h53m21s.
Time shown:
5h13m00s
